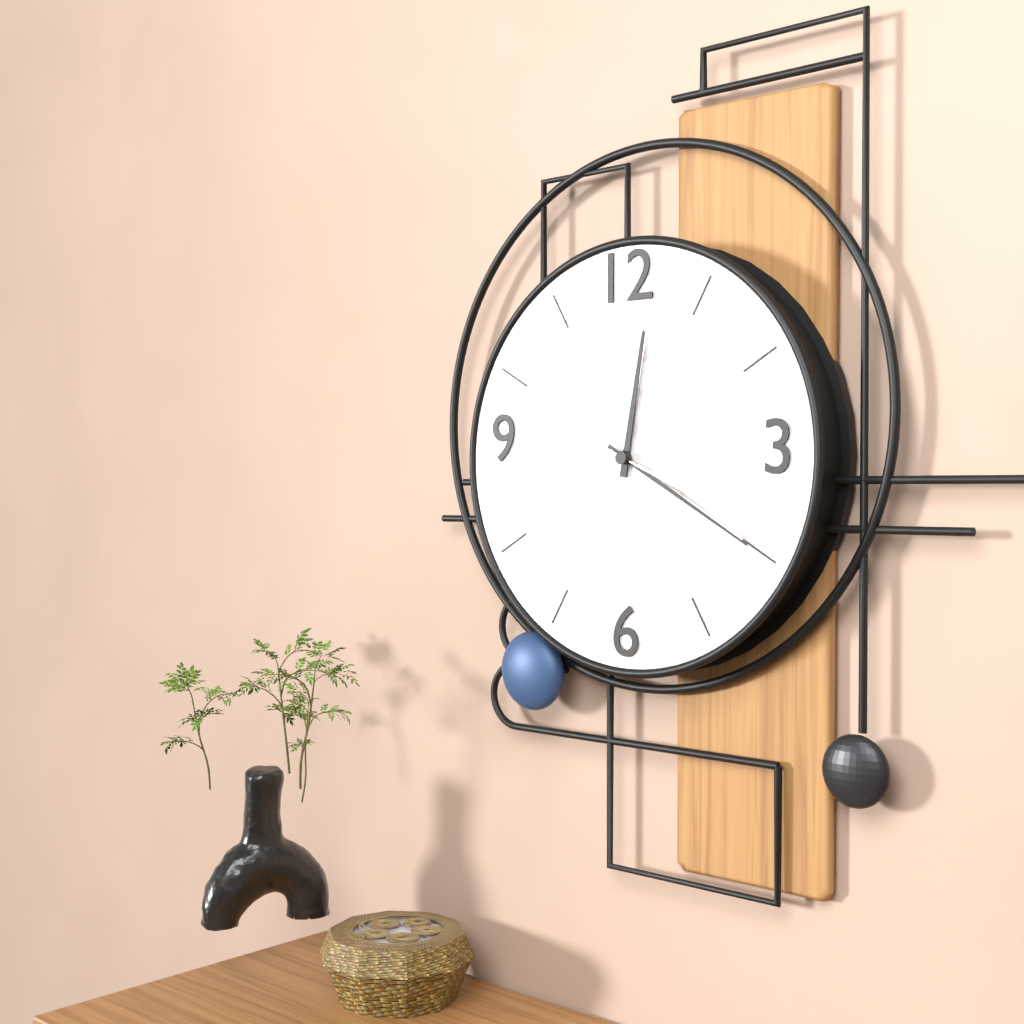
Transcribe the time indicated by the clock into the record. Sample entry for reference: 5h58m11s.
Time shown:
12h20m19s
